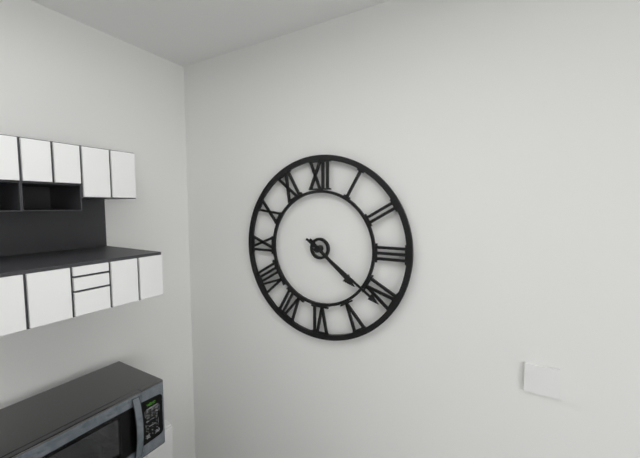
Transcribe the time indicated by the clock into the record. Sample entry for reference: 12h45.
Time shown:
4h21
